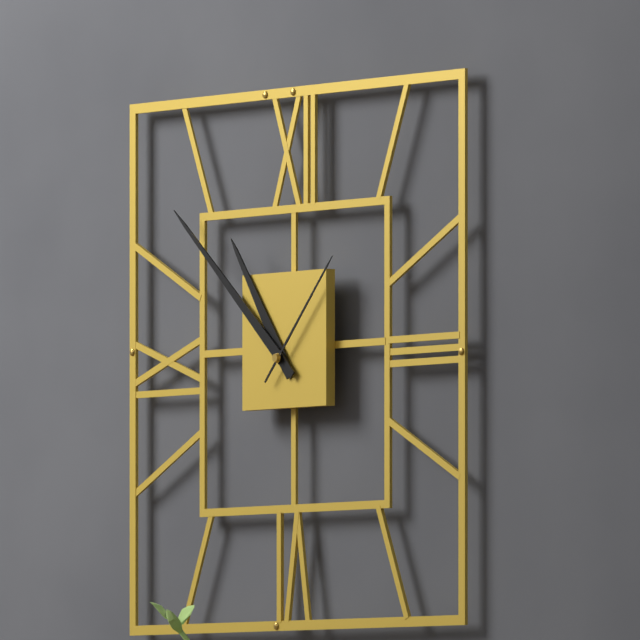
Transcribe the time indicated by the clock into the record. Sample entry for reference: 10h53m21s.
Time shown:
10h52m07s
